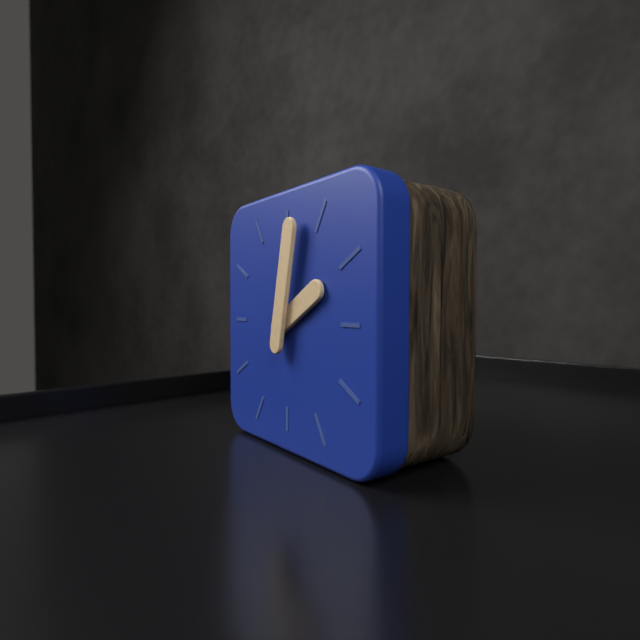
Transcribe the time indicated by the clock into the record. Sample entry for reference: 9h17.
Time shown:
2h02
